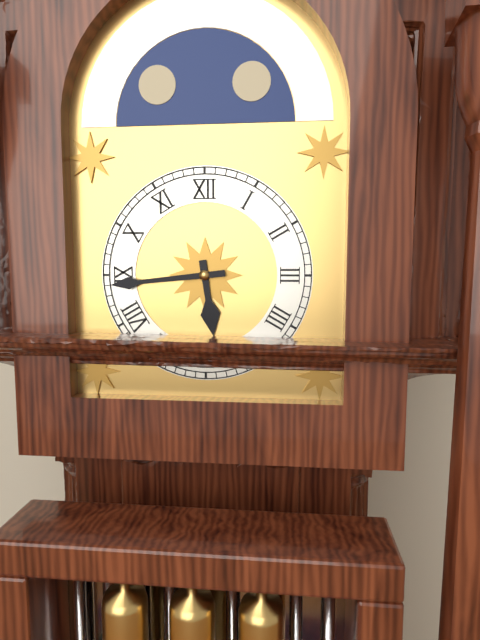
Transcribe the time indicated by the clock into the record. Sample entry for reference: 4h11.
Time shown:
5h44
